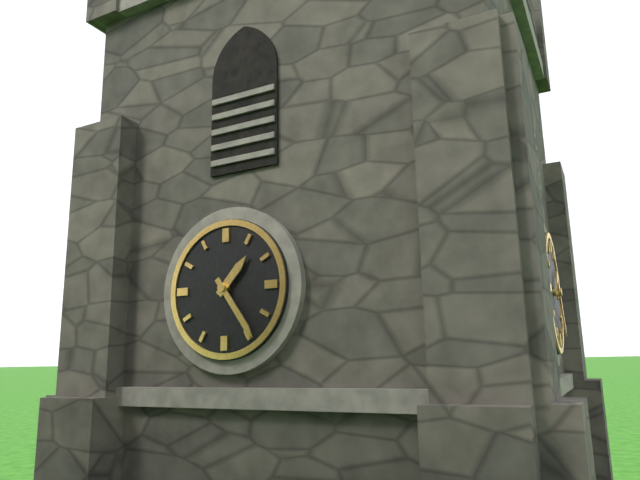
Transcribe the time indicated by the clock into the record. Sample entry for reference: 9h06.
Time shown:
1h24
